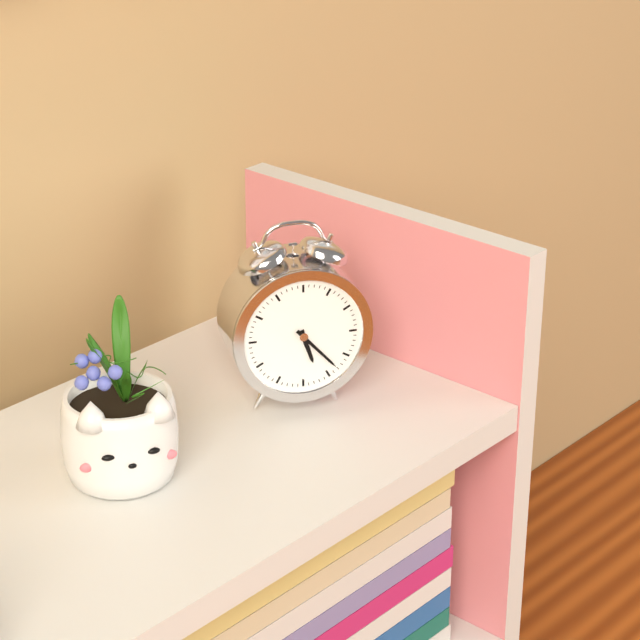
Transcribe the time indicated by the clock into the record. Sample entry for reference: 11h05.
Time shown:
5h23
